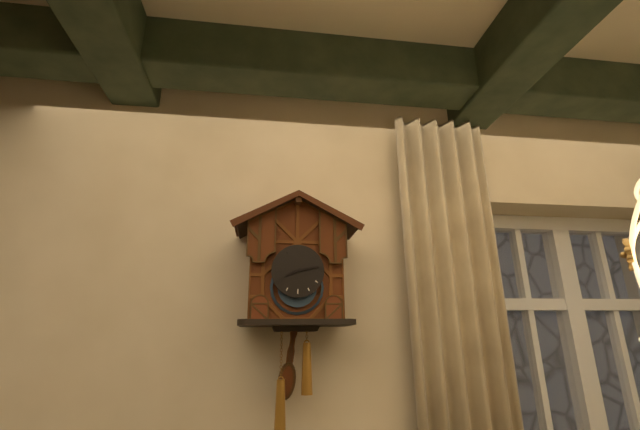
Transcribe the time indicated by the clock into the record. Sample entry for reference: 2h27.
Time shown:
8h13
